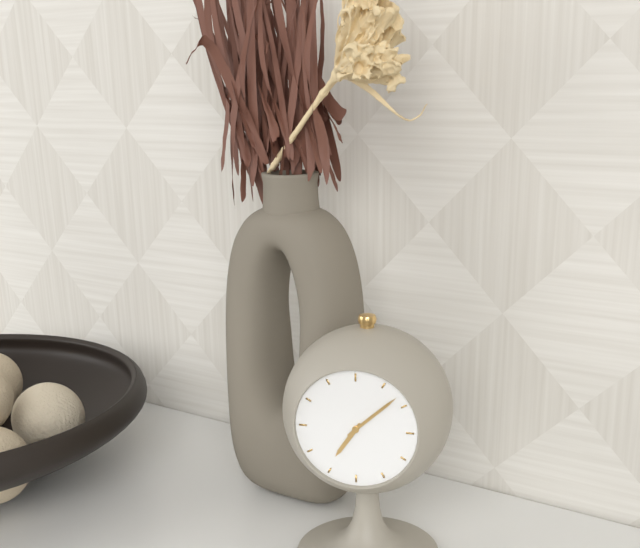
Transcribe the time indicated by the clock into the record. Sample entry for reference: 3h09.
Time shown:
7h08
